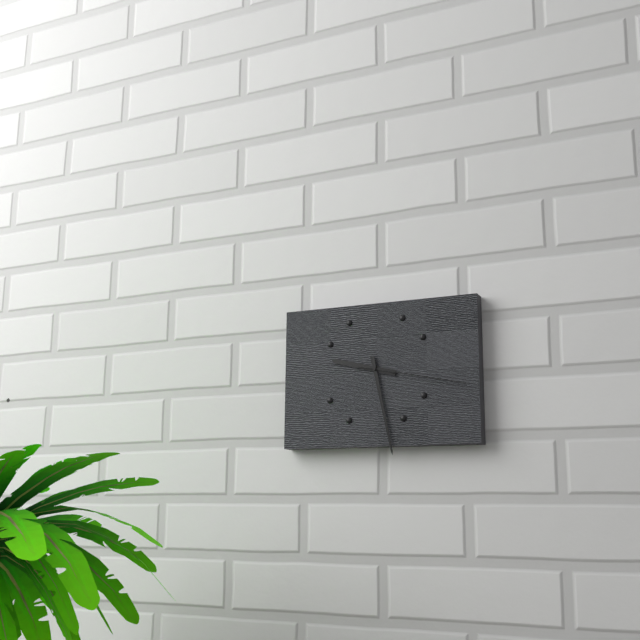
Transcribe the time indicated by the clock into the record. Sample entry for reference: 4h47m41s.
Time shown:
9h28m17s
